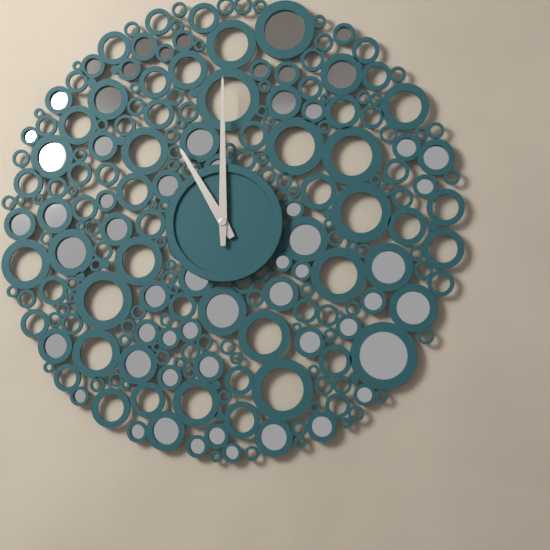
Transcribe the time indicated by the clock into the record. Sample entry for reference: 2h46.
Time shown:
11h00
